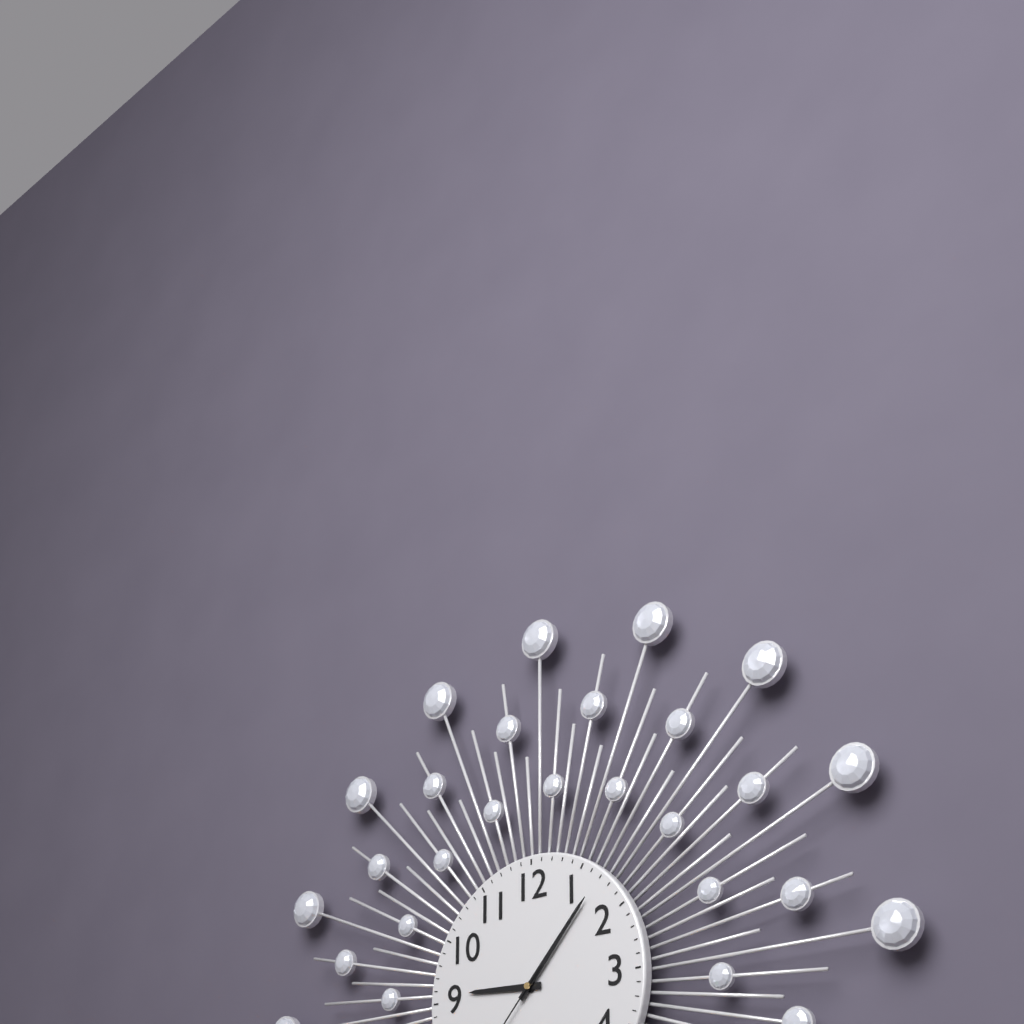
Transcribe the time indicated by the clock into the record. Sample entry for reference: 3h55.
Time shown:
9h07
